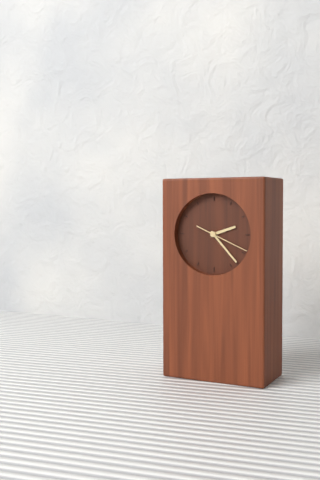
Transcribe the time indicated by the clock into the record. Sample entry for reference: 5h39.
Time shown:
2h23
